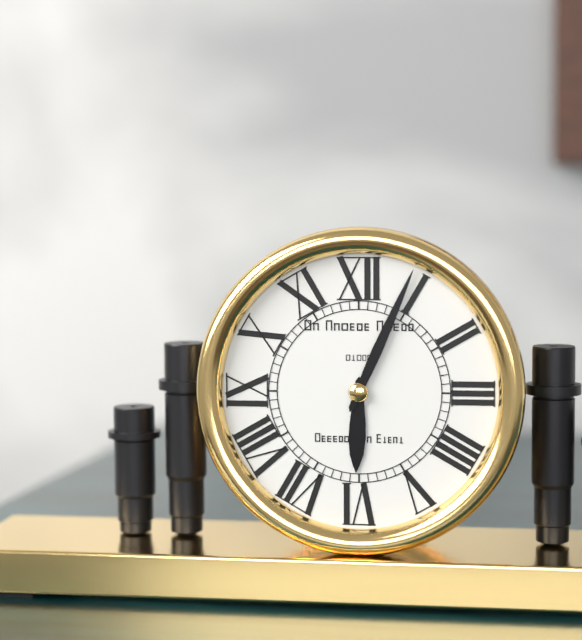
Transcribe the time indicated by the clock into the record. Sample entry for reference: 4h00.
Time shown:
6h04
